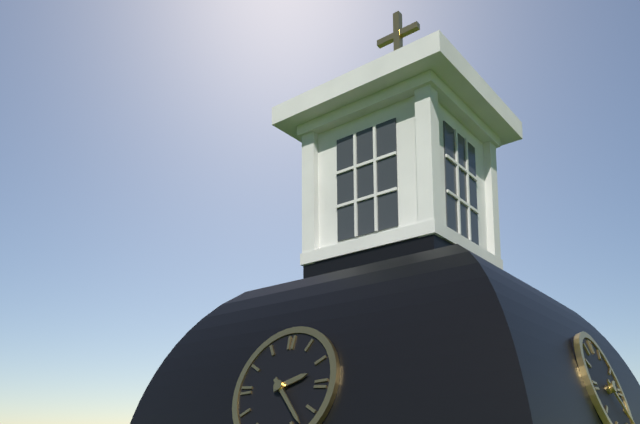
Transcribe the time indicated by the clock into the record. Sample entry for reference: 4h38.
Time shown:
2h23
